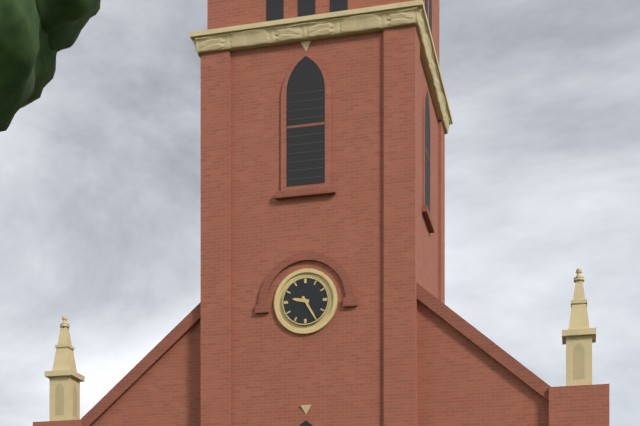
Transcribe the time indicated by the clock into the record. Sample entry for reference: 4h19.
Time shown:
9h25
